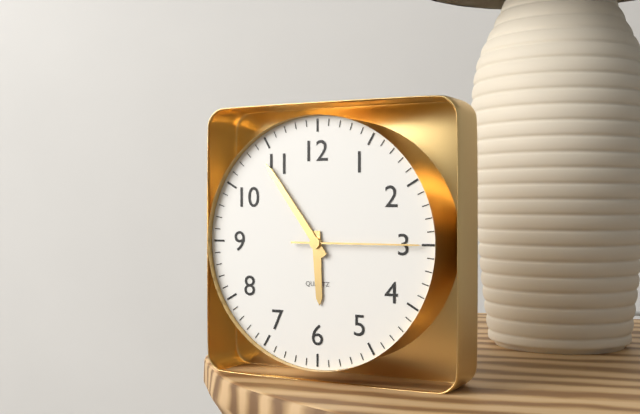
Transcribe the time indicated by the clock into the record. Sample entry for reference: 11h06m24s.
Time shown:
5h54m15s
